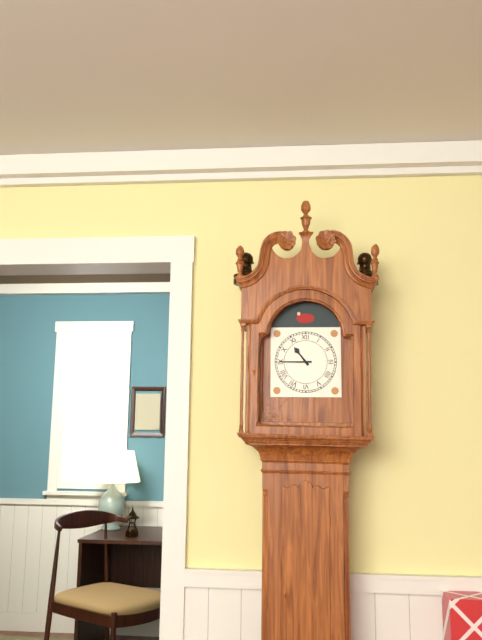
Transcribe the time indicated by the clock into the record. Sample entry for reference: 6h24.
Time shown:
10h45
